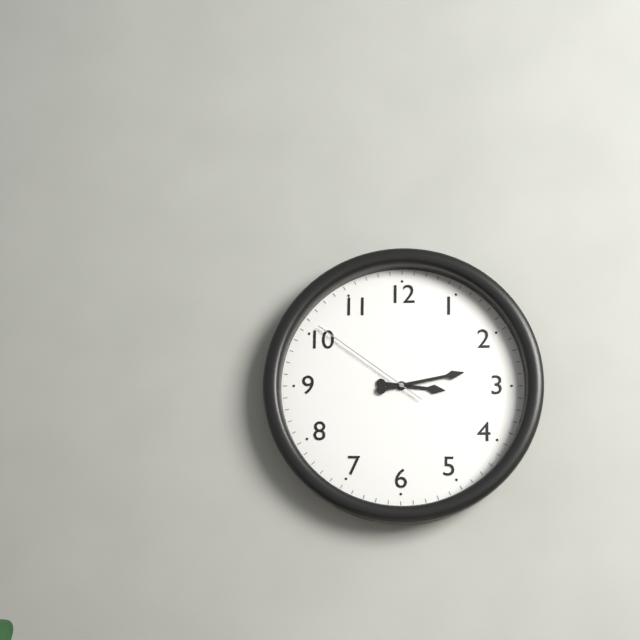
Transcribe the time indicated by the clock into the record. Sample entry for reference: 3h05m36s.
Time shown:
3h13m51s
